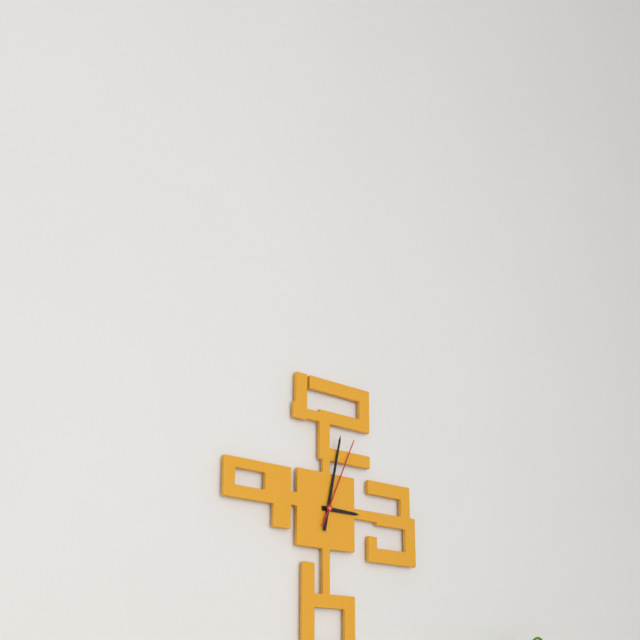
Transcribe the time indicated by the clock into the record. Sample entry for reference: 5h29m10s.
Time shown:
3h02m04s
